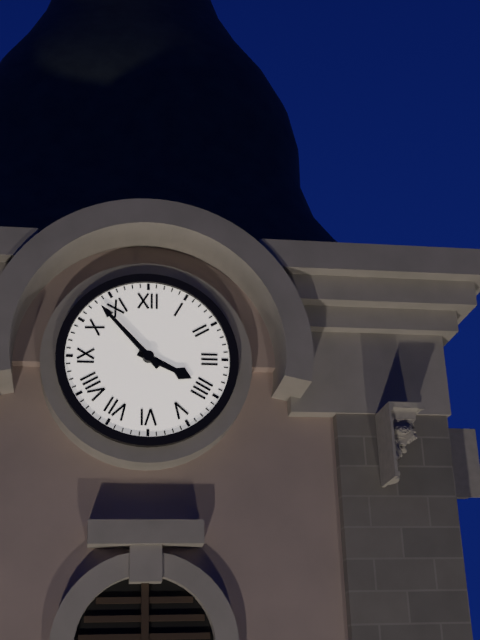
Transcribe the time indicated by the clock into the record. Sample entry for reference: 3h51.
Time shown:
3h53
